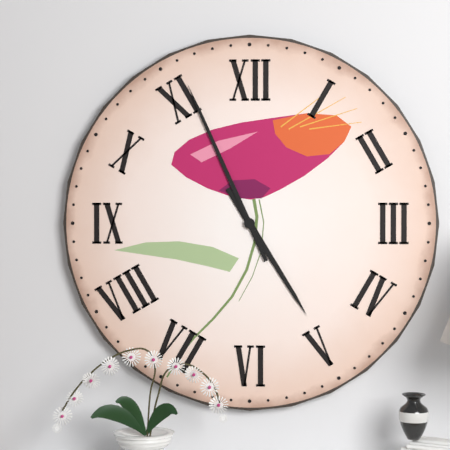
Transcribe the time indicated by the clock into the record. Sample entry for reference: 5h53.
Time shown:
4h56
